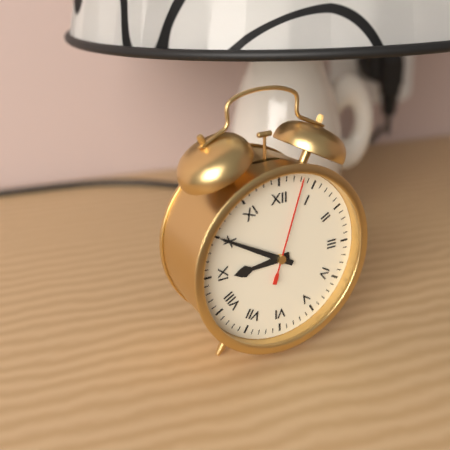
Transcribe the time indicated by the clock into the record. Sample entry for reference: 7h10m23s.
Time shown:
8h50m03s
